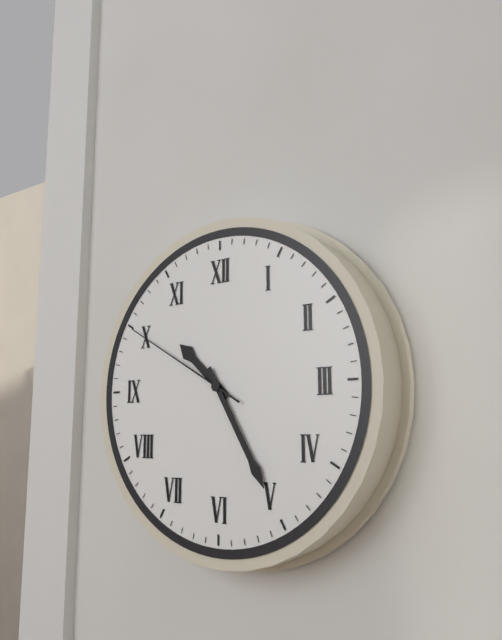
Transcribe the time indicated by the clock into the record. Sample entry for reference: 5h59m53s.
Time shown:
10h25m50s
